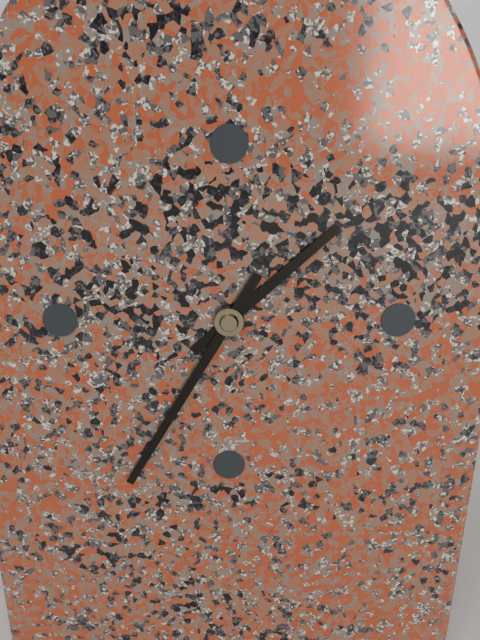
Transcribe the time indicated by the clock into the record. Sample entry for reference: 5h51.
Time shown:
1h35
